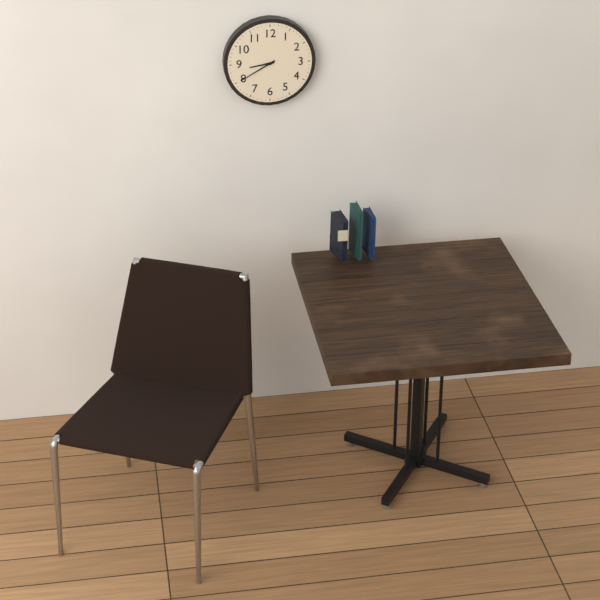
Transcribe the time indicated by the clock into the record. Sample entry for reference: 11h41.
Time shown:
8h40
